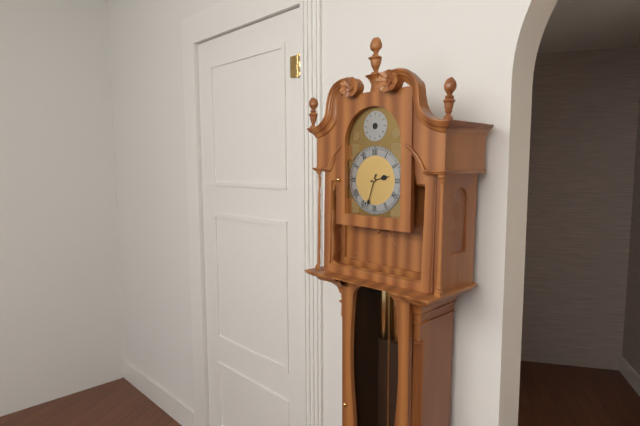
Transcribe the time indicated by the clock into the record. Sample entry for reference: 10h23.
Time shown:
2h33
